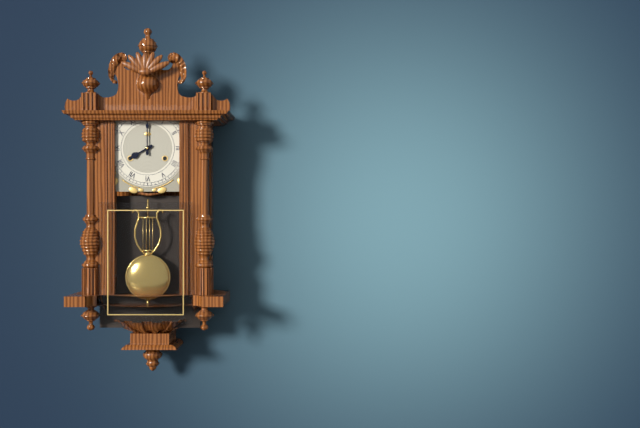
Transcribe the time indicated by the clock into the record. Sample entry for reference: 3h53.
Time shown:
8h00
